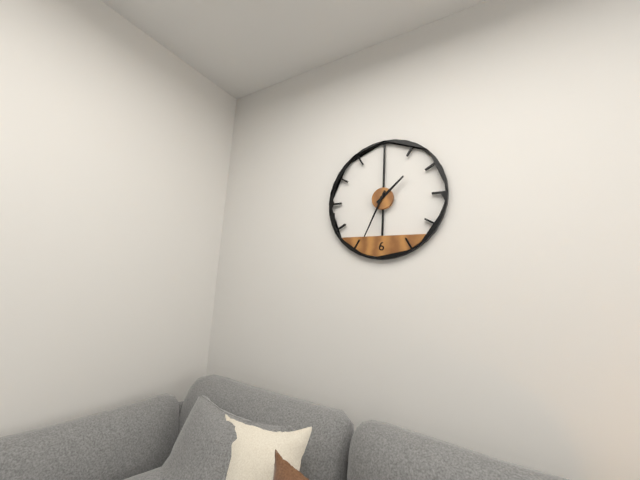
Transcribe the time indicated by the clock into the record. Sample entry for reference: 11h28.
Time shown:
1h34
